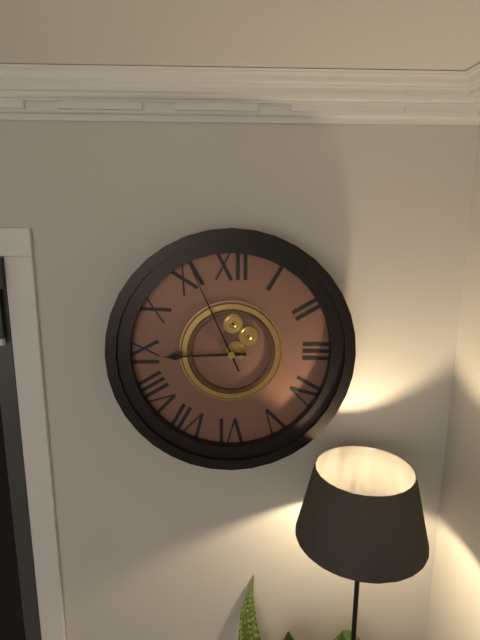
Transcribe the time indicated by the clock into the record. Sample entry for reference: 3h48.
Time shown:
8h56
